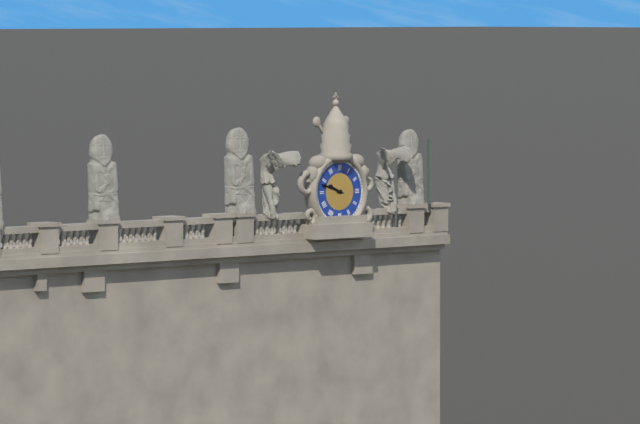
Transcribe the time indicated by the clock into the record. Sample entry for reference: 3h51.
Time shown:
9h48
